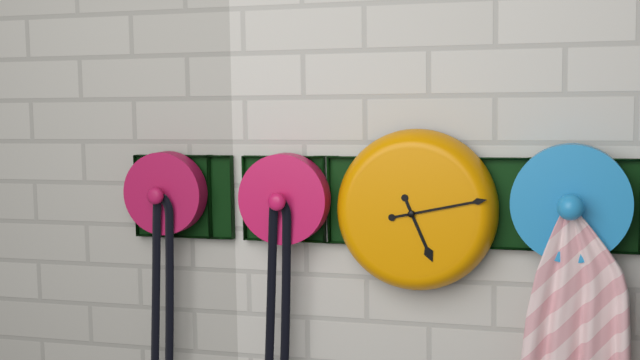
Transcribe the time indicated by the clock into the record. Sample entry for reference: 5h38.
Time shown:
5h13
